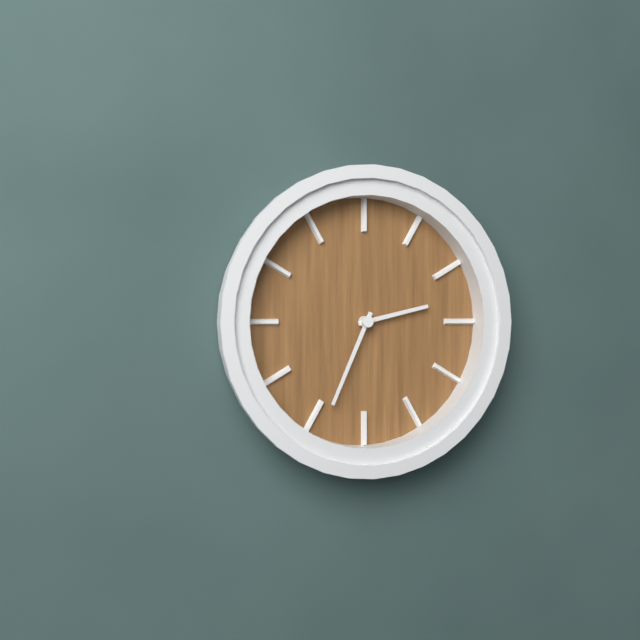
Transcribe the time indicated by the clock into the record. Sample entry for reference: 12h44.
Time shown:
2h34
